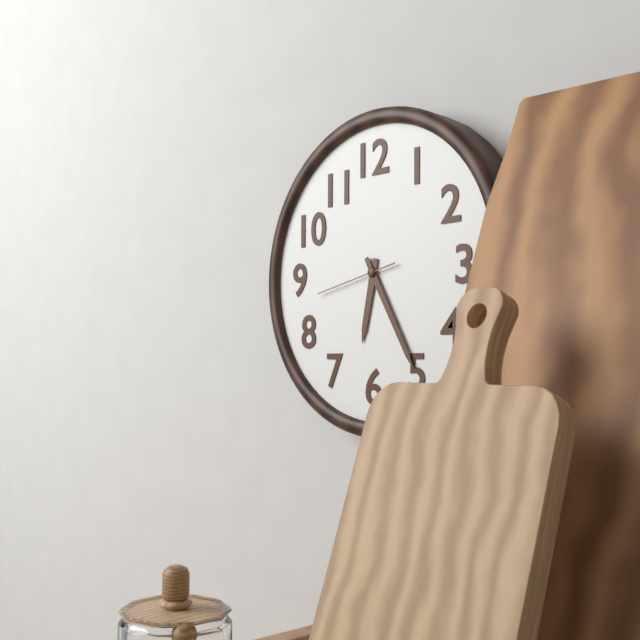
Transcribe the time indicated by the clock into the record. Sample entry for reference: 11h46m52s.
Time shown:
6h25m43s
